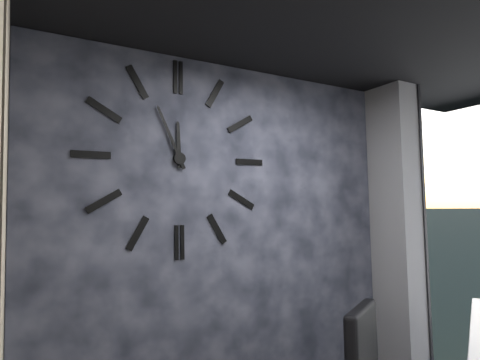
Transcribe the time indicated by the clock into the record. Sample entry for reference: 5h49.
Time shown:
11h56
